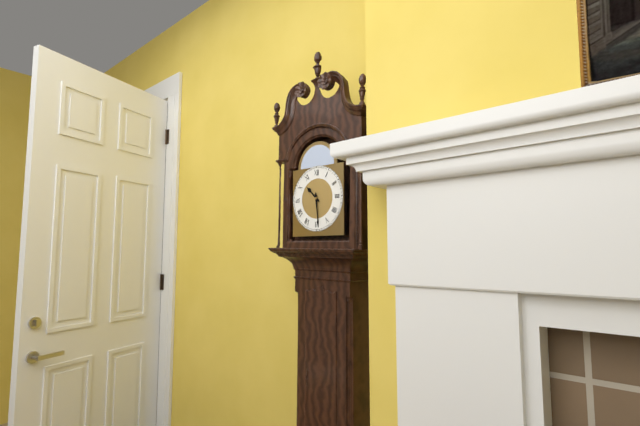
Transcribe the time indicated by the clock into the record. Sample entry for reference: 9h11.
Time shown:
10h29
